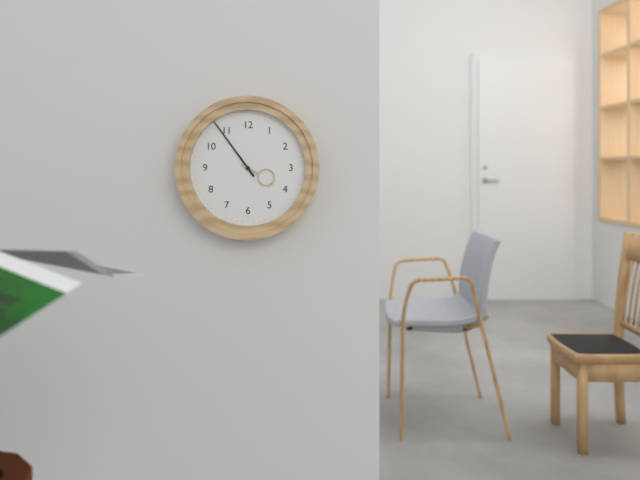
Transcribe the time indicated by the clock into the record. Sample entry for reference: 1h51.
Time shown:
3h54
